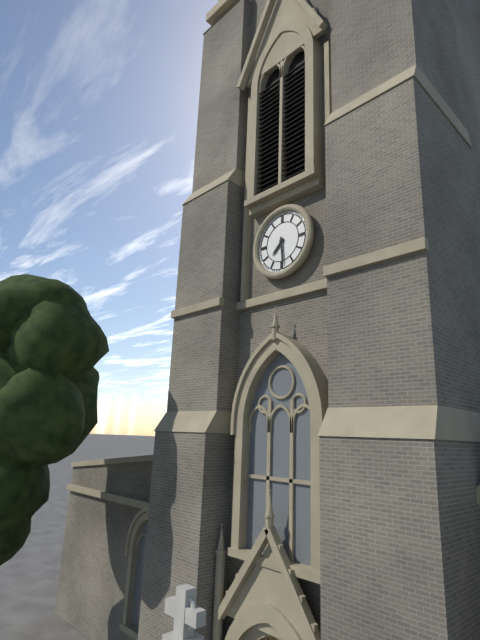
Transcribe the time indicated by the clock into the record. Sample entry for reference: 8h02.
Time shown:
7h29
